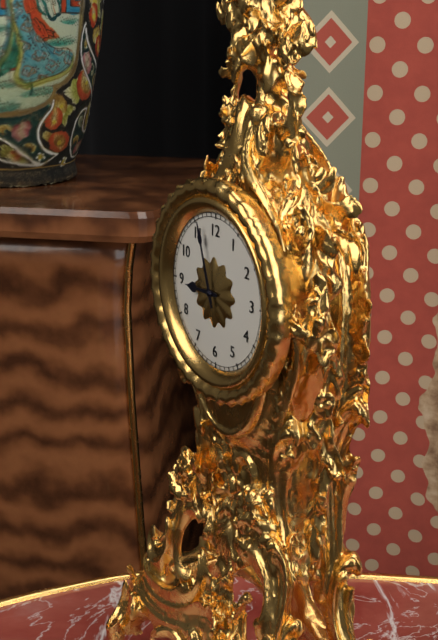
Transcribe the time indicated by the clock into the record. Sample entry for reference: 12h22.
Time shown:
8h57
